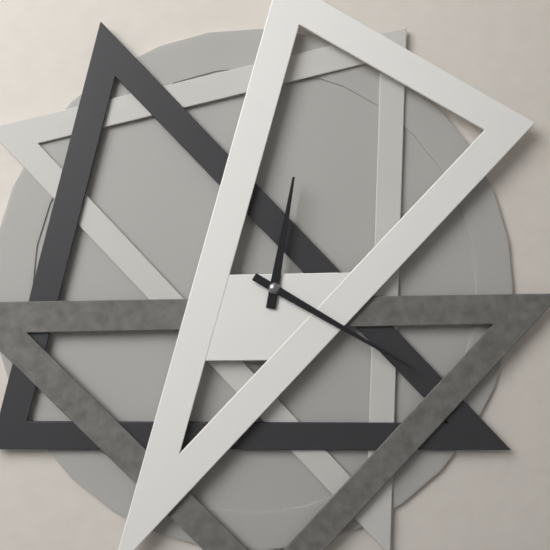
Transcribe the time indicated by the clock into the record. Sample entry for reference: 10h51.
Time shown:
12h20
